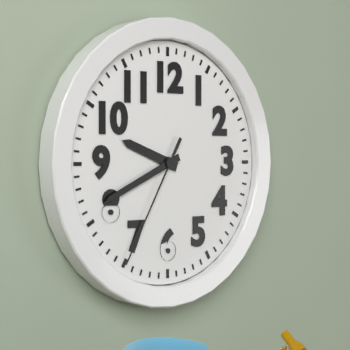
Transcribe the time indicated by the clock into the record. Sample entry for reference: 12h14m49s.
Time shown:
9h41m35s
